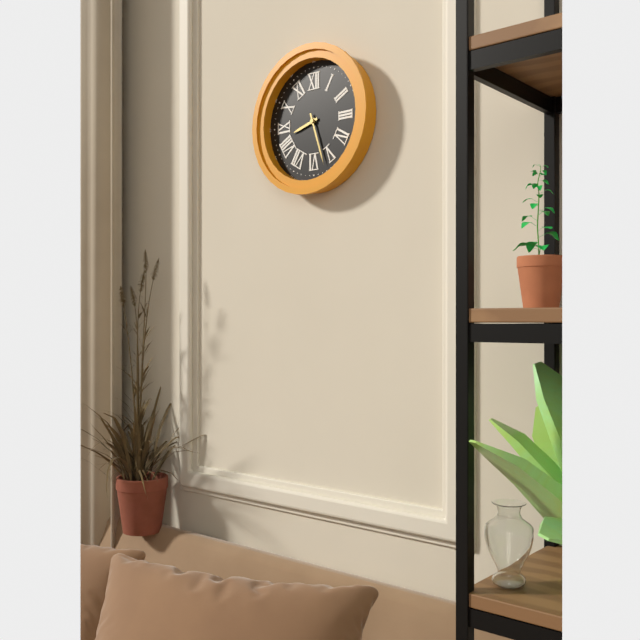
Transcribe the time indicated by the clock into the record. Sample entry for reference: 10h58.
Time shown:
8h27
